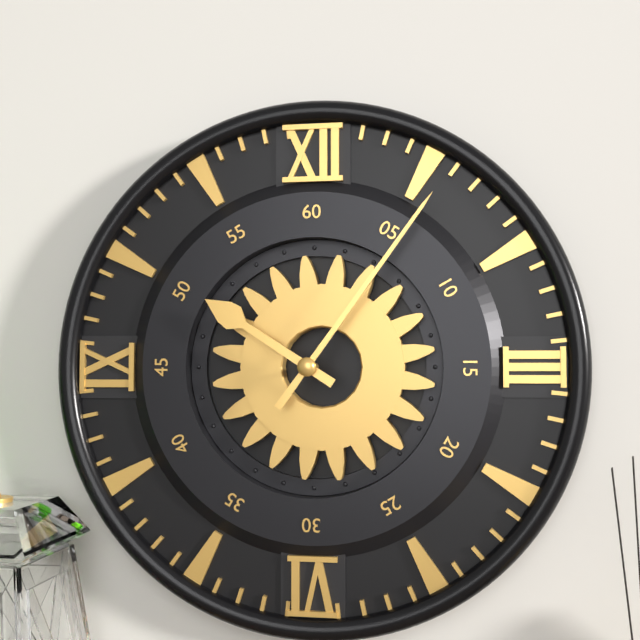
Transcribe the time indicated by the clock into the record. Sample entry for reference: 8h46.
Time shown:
10h06
